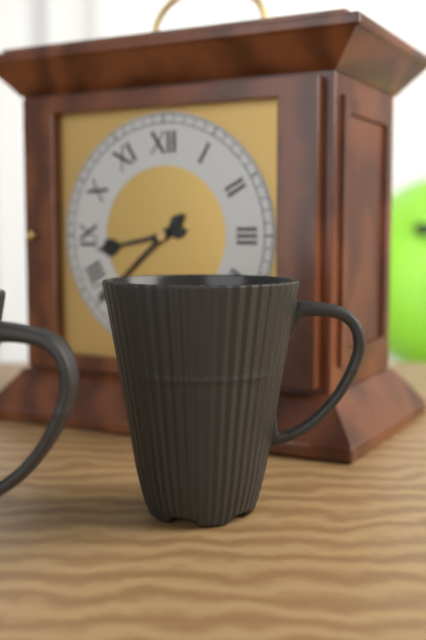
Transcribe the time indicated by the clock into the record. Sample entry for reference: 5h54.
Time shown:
8h38
